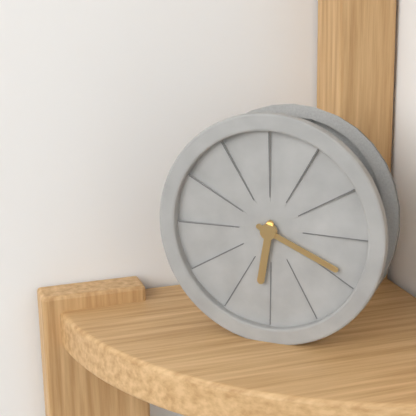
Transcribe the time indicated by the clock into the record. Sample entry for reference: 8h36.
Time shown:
6h19
